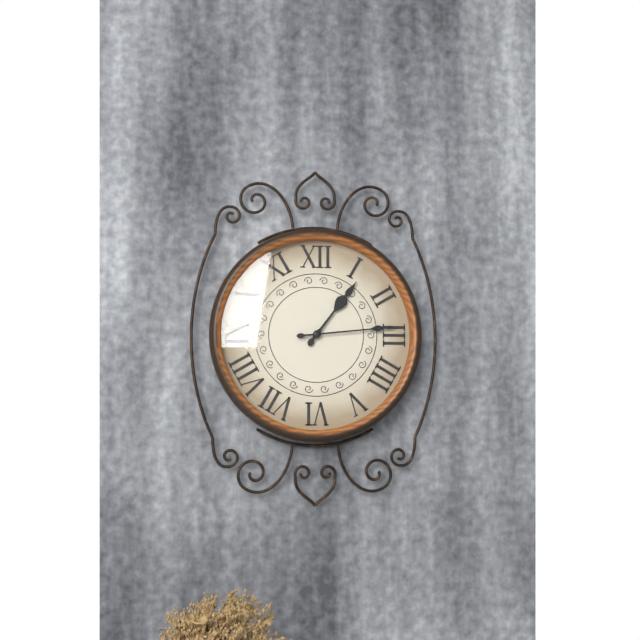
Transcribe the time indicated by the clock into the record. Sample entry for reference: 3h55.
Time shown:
1h14
